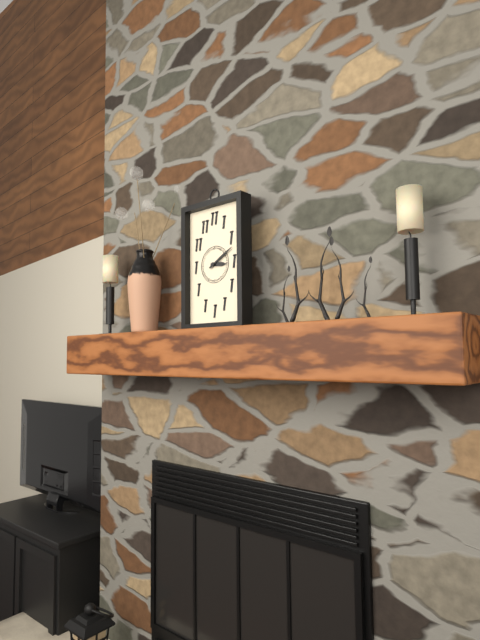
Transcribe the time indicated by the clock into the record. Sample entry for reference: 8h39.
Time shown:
3h10
